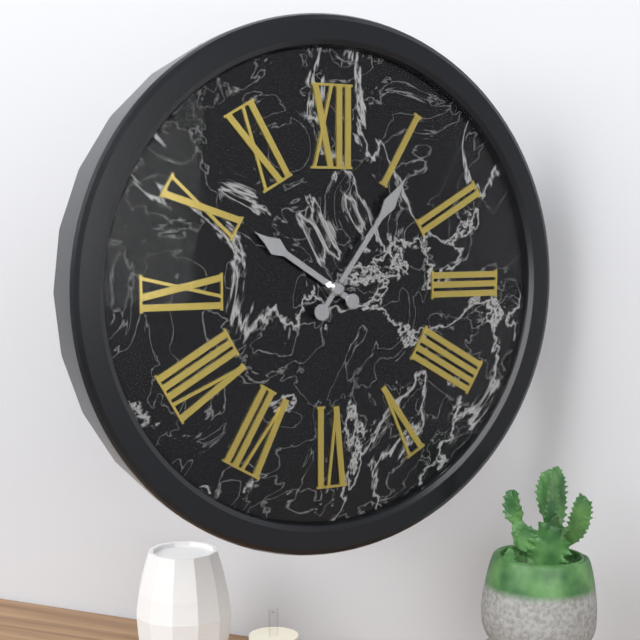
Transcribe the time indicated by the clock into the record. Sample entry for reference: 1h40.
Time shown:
10h06
